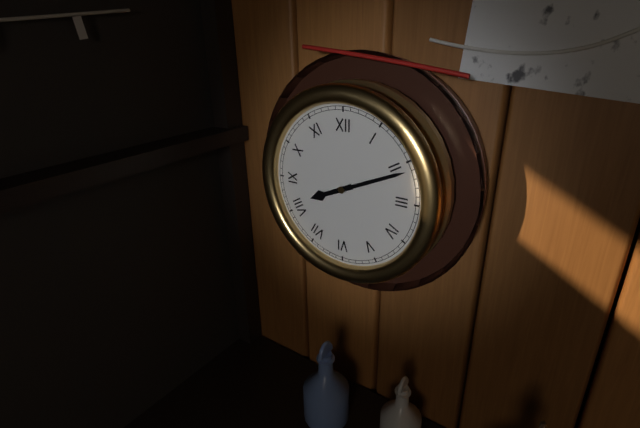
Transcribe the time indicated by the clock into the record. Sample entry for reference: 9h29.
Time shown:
8h11
